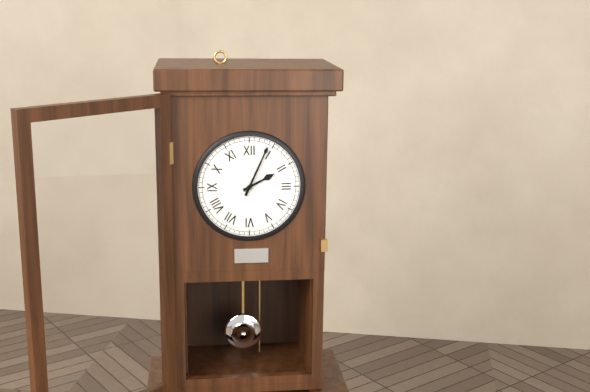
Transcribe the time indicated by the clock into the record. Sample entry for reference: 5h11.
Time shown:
2h04
